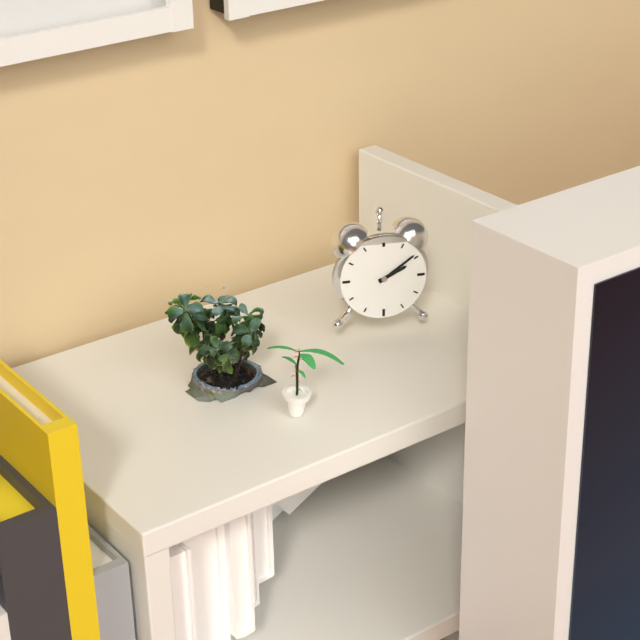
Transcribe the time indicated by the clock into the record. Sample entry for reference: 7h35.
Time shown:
2h09
